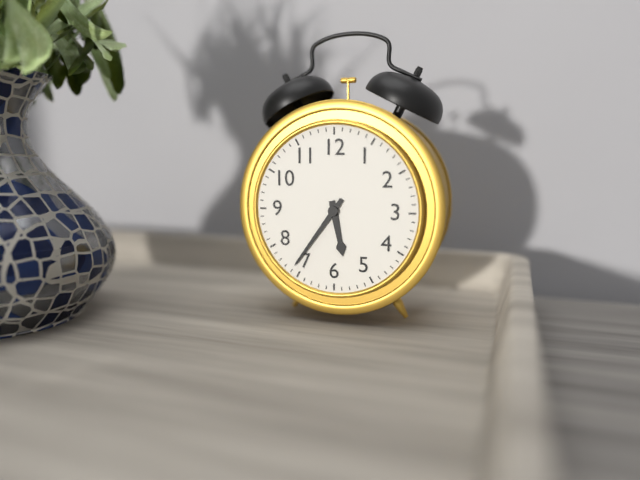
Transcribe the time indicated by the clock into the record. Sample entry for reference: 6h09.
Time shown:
5h36
